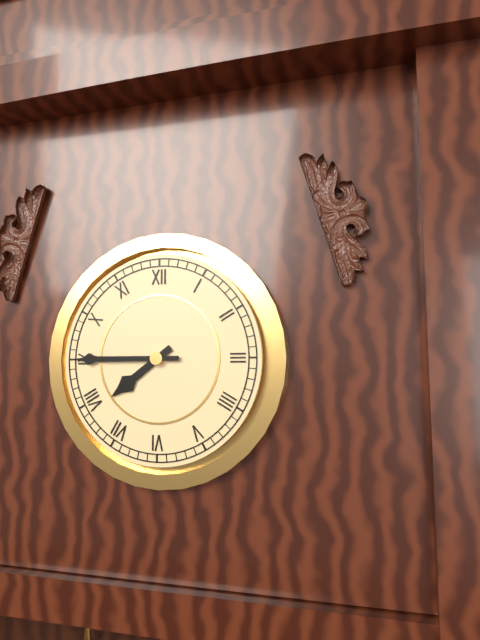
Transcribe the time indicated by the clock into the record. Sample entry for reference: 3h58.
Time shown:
7h45
